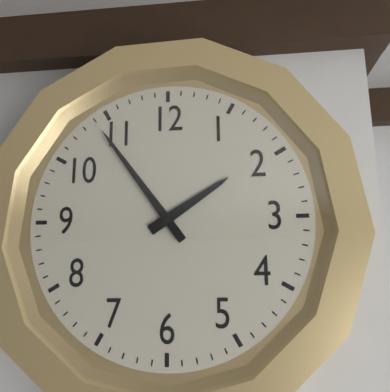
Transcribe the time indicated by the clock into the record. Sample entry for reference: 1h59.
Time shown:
1h54
